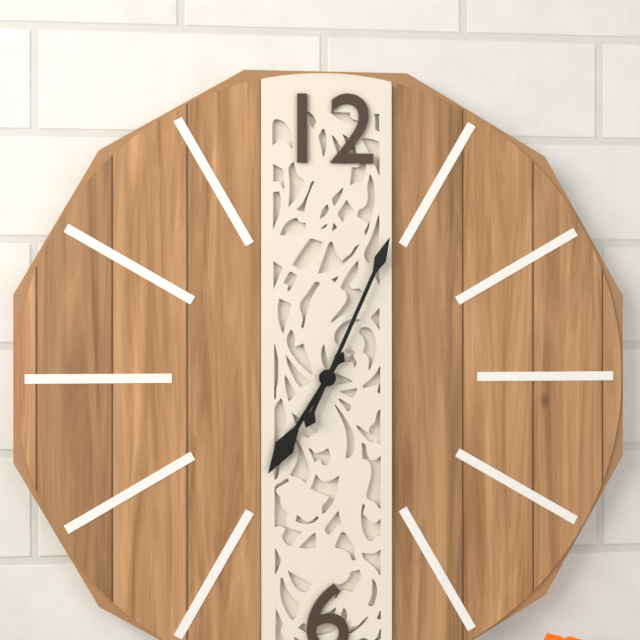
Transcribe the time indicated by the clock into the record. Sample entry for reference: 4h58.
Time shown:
7h04
